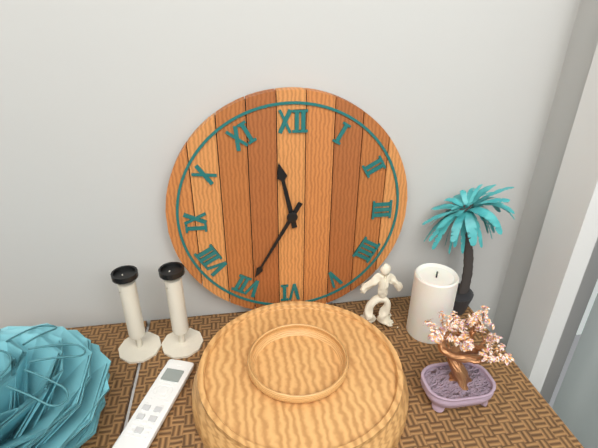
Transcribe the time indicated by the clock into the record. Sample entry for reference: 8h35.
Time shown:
11h35
